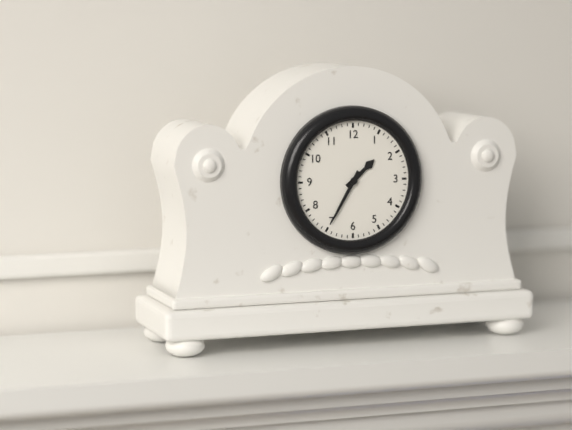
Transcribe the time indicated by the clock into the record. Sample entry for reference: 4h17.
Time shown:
1h35
